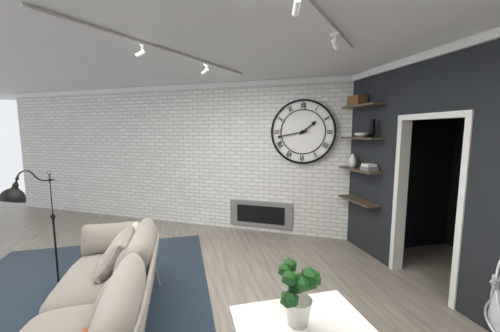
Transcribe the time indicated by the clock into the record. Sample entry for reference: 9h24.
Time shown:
1h43
